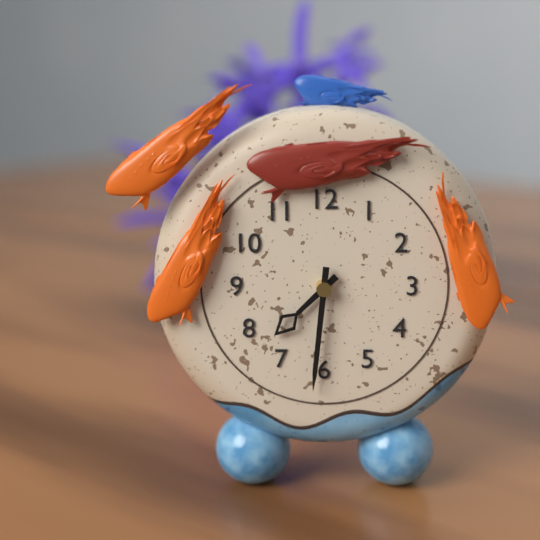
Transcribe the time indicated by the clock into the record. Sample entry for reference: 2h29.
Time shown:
7h31
